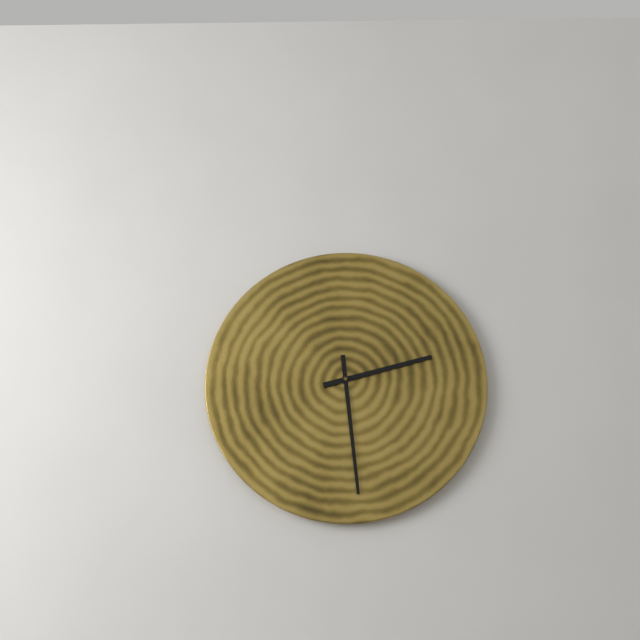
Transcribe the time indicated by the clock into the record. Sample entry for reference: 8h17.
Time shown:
2h29
